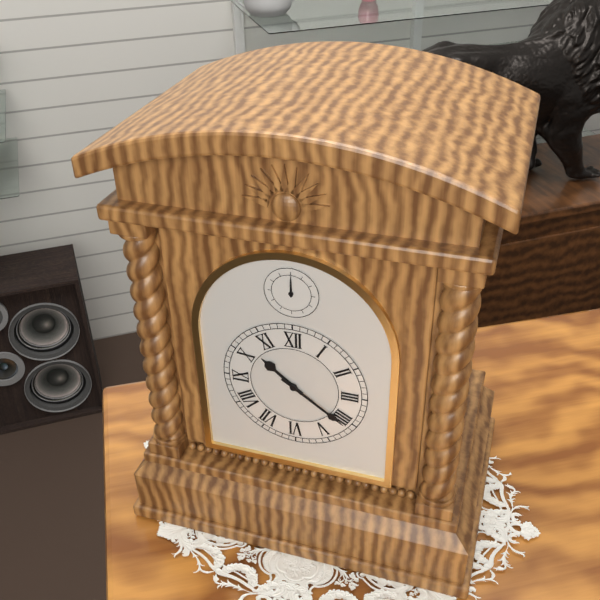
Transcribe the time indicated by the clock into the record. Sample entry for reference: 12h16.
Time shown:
10h21
